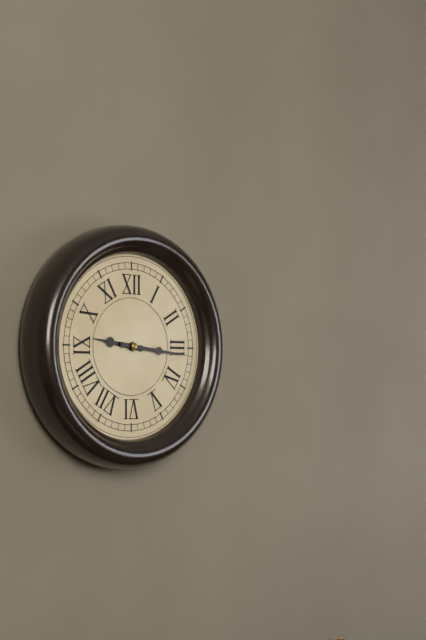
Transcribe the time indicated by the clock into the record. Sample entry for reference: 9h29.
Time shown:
9h16
